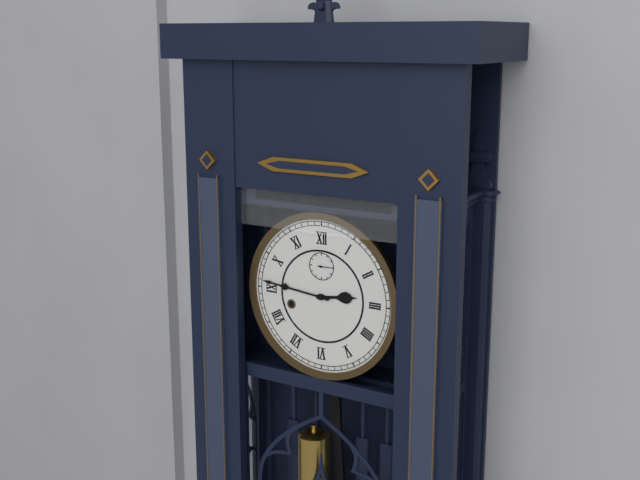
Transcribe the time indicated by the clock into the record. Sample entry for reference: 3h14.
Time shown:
2h46
